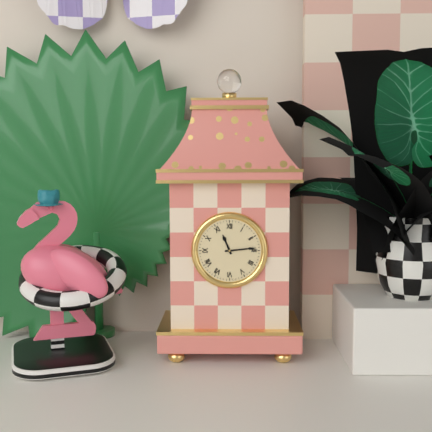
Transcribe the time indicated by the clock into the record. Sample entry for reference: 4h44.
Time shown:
11h14
